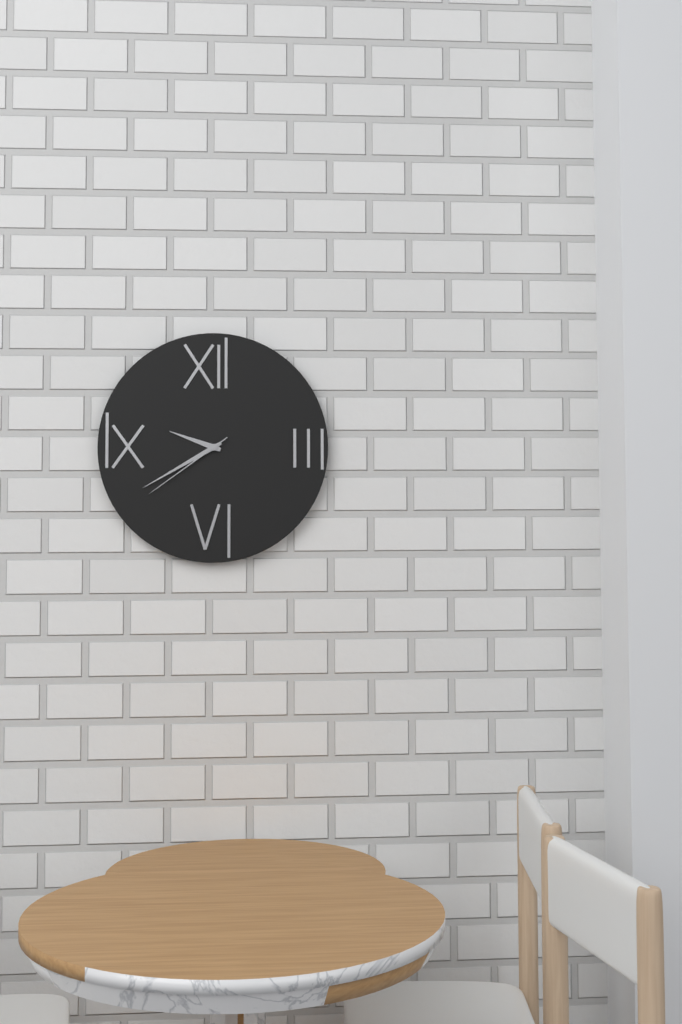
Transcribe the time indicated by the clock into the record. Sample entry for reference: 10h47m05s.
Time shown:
9h40m39s
